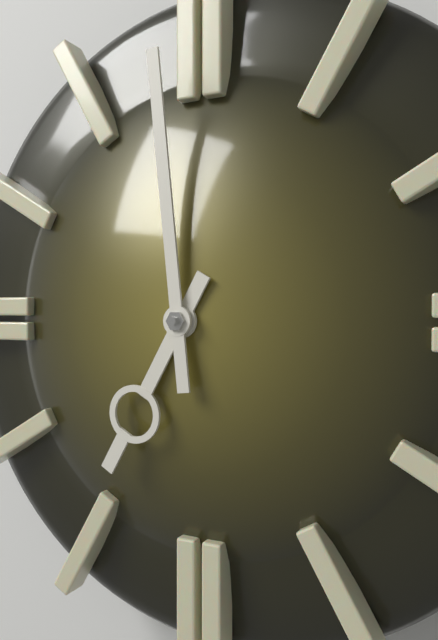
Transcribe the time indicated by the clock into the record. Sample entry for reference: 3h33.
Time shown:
6h59
